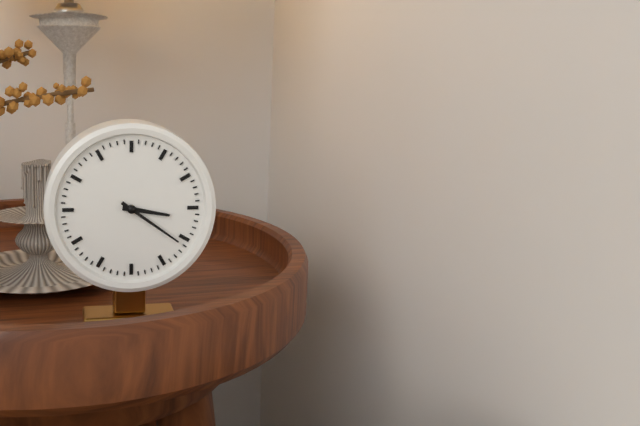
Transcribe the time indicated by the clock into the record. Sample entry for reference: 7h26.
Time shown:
3h21
